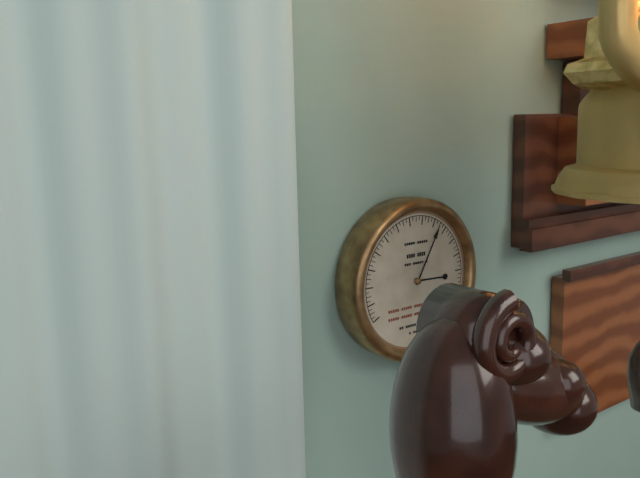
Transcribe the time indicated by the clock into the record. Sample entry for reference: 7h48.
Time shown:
3h05
